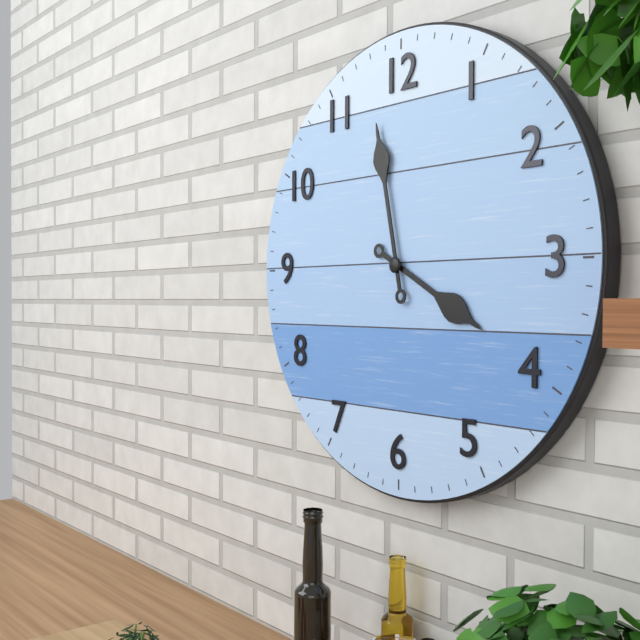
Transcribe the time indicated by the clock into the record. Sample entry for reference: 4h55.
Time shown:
3h58
